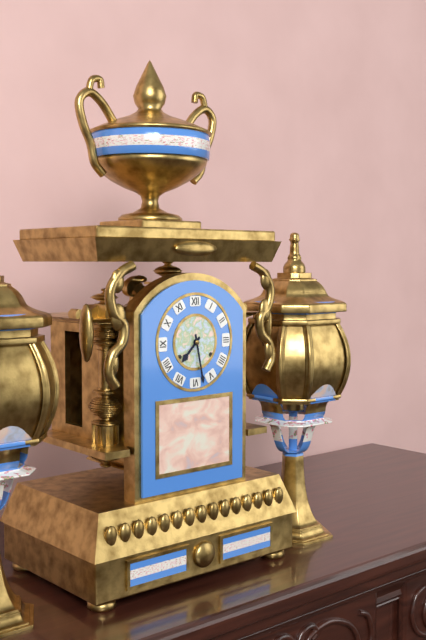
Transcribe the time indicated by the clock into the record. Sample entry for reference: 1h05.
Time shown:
7h28
